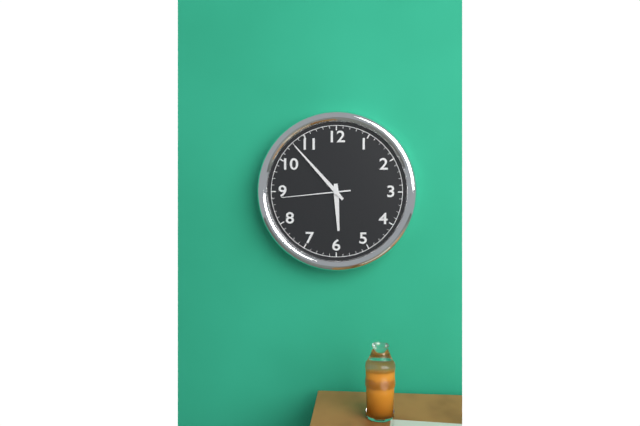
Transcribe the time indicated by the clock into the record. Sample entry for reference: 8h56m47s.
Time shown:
5h53m44s
